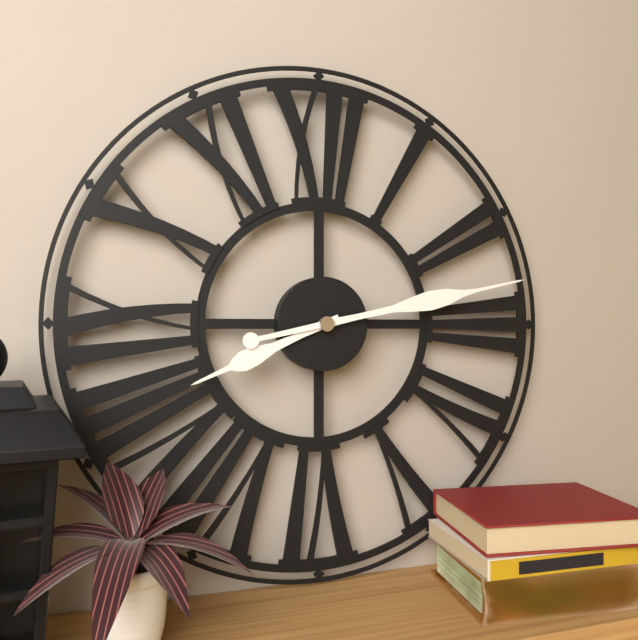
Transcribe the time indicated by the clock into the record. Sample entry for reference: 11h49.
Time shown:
8h13
